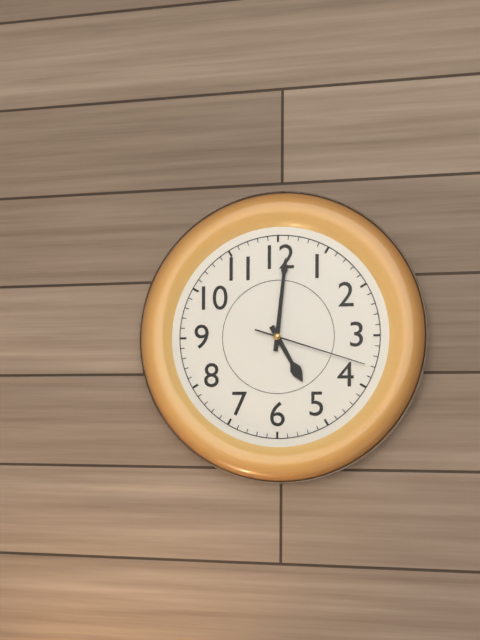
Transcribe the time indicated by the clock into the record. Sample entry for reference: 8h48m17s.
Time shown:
5h01m18s
